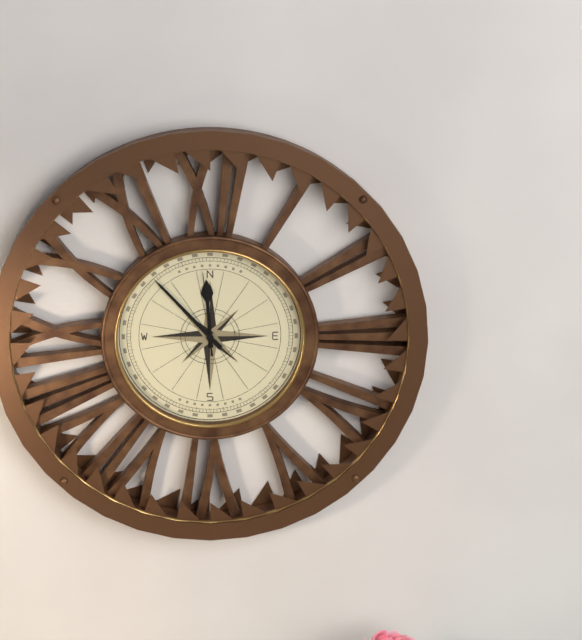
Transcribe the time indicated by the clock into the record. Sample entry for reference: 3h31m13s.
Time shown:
11h53m59s
